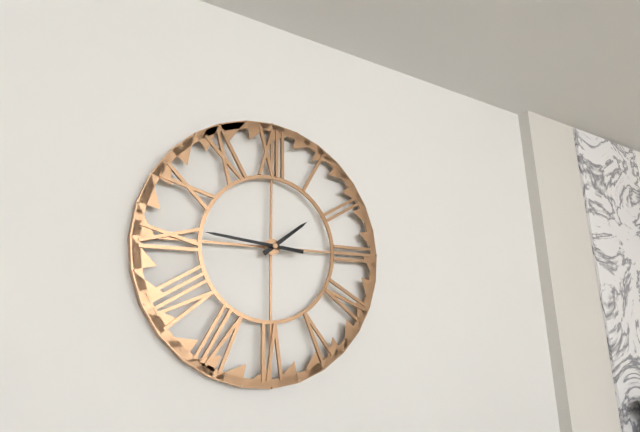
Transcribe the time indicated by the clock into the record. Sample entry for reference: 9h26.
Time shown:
1h46
